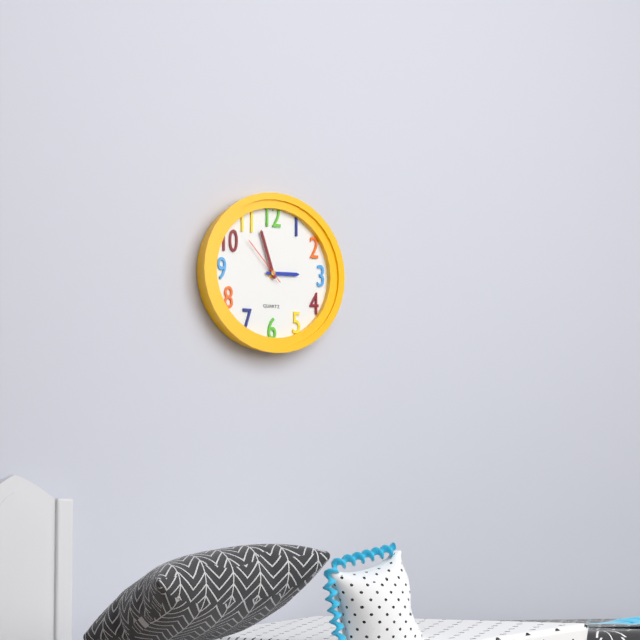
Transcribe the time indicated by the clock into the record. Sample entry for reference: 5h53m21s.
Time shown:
2h57m53s
